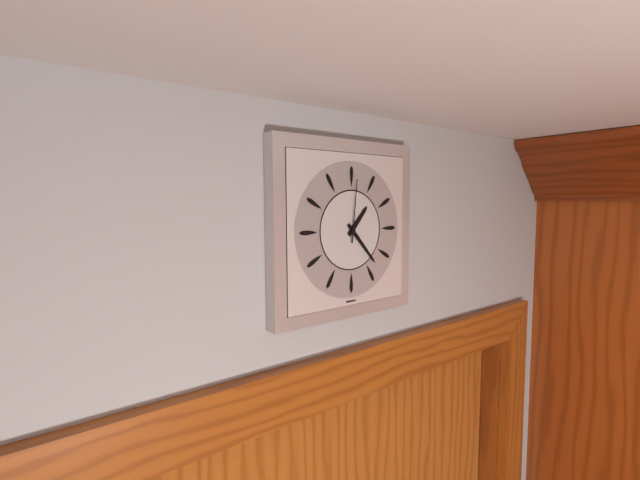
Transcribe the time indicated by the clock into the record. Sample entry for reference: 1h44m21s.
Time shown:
1h23m01s
